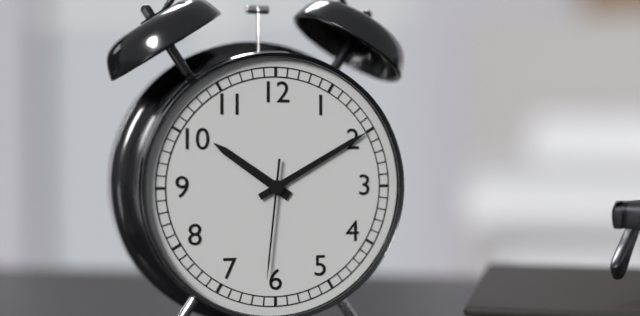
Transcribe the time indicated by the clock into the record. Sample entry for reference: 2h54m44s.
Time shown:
10h10m31s
